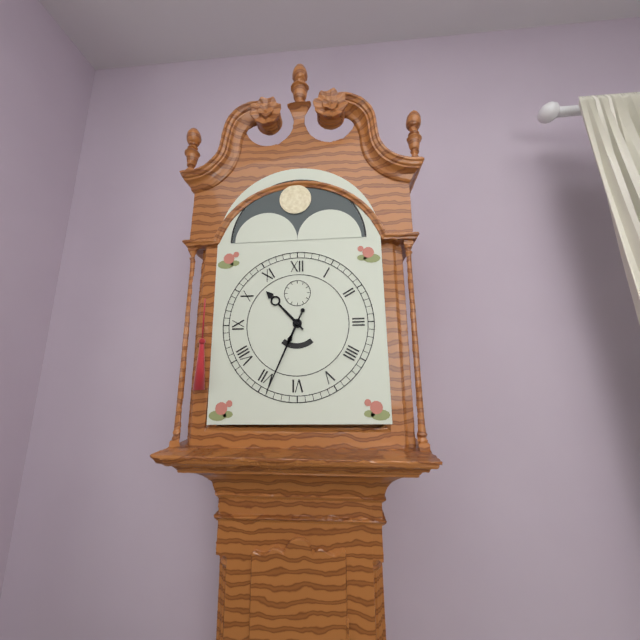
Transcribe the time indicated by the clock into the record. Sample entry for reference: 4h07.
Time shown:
10h34
